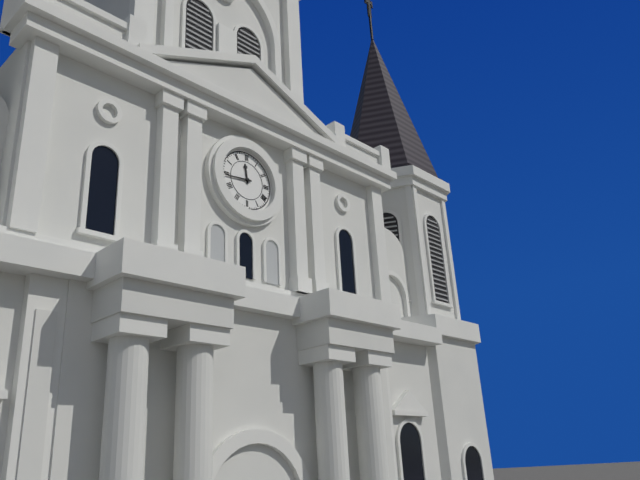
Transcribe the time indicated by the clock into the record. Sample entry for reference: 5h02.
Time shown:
11h44
